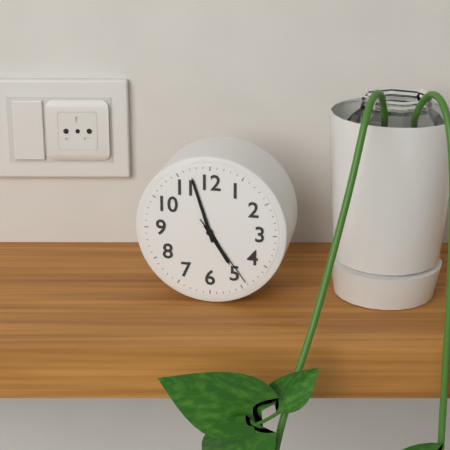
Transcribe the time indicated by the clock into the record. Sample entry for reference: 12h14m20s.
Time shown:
4h57m24s
